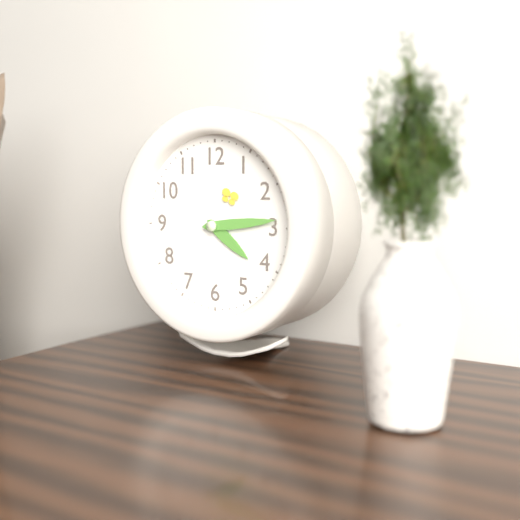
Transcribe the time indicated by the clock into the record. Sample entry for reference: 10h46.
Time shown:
4h14
